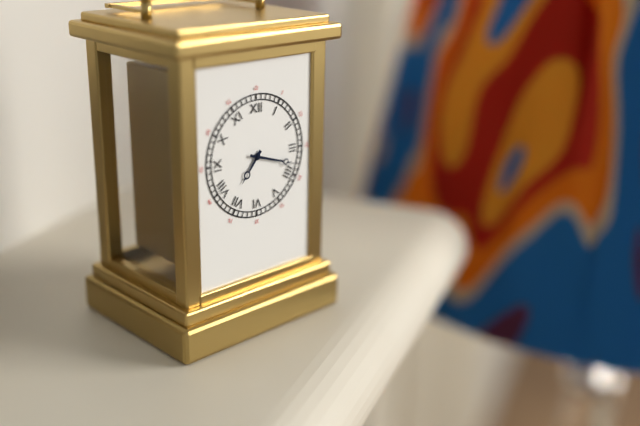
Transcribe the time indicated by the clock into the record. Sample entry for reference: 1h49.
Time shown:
7h18
